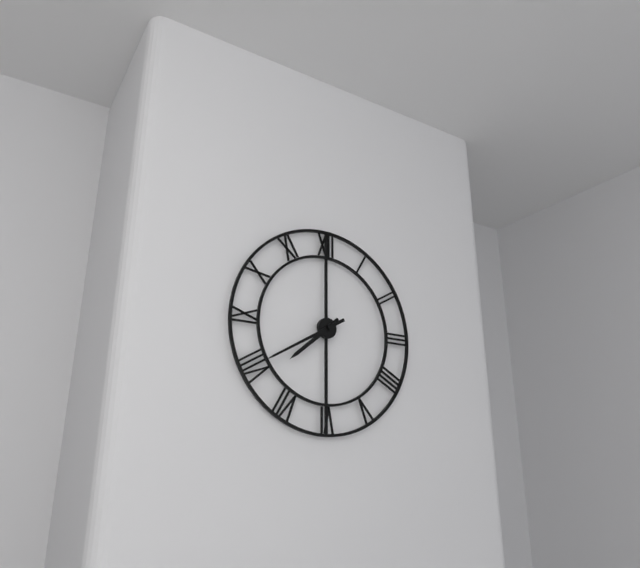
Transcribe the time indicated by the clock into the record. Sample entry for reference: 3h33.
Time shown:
7h40
